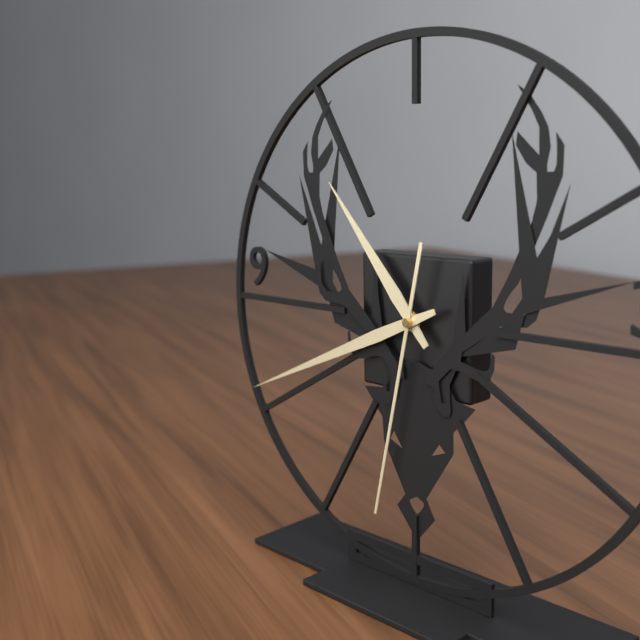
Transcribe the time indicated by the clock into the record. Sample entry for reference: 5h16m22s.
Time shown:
10h41m32s
